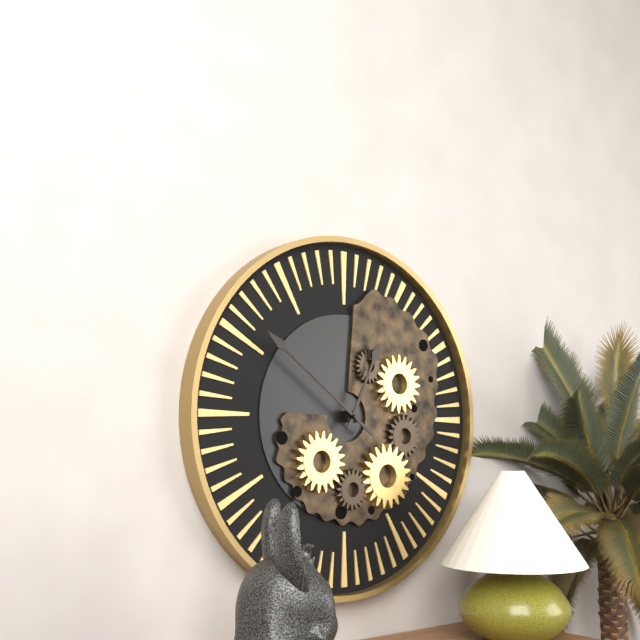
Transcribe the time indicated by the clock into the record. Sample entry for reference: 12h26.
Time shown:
12h51
